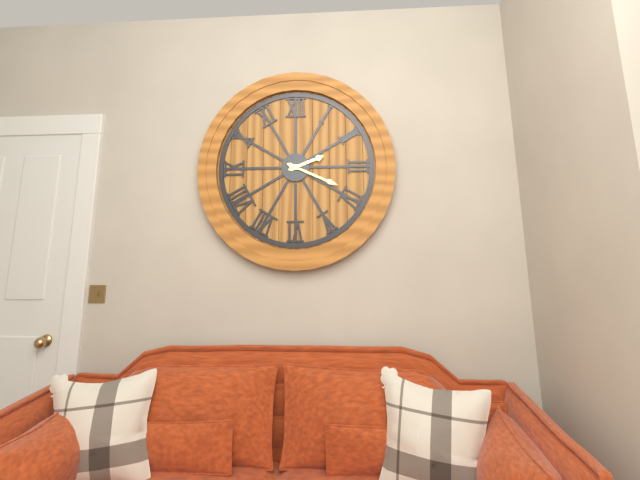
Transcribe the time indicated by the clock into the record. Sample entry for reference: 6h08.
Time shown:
2h19
